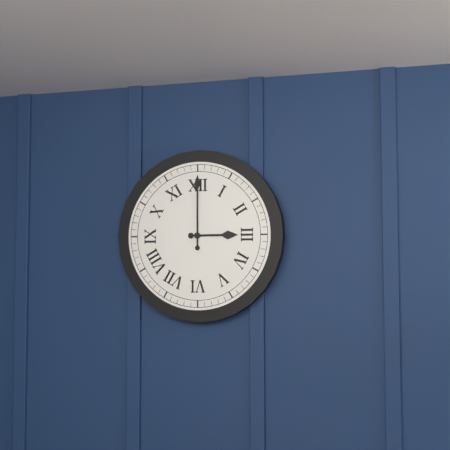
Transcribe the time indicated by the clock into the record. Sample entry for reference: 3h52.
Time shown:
3h00
